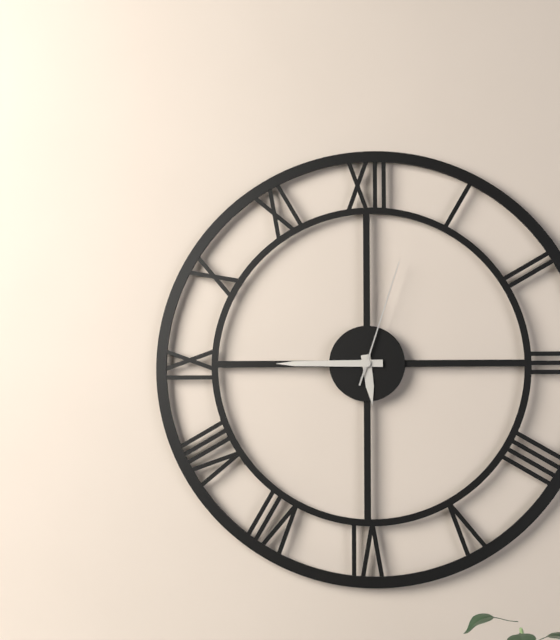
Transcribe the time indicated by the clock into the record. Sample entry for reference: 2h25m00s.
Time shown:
5h45m03s
